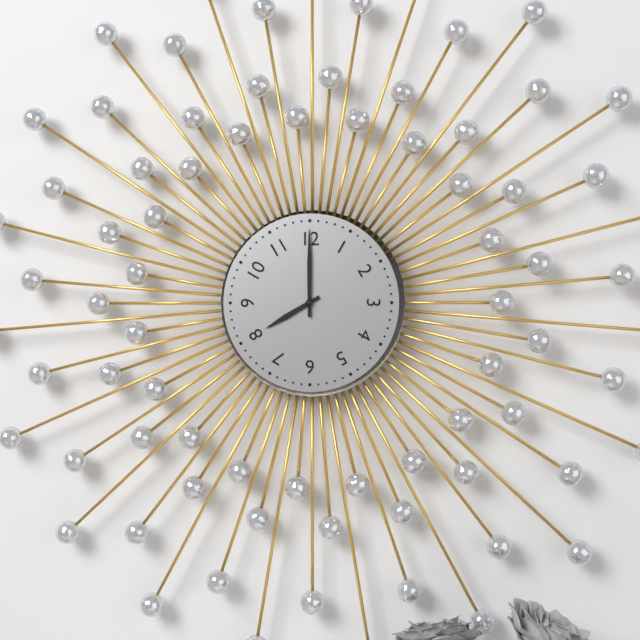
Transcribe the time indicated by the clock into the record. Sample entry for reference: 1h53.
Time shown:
8h00
